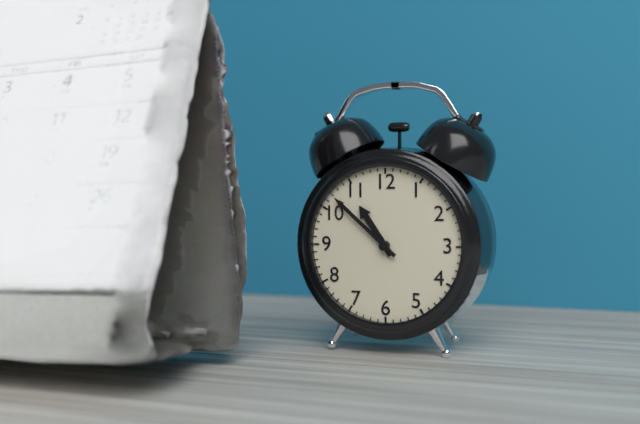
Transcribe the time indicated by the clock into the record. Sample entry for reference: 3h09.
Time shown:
10h52
